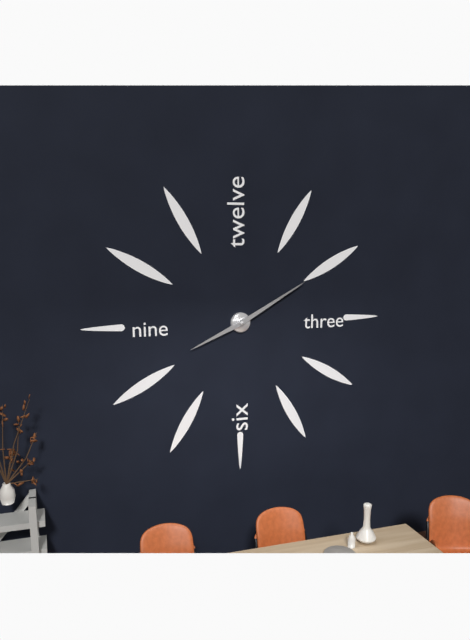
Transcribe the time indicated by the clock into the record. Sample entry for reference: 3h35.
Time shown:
8h10
